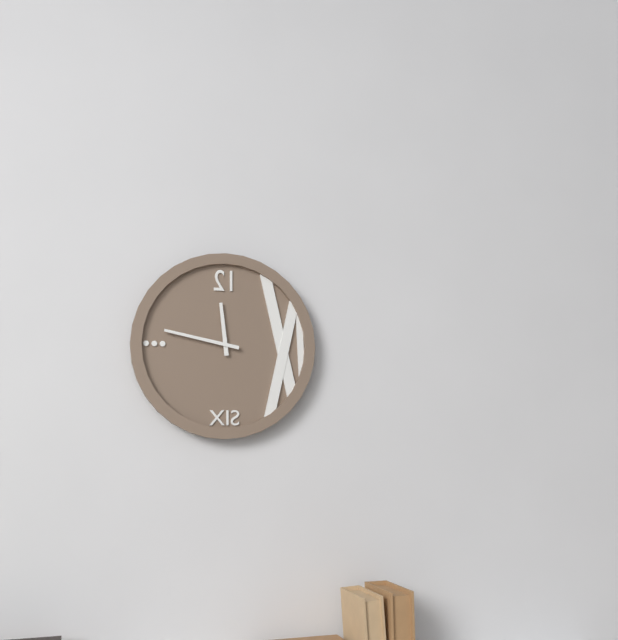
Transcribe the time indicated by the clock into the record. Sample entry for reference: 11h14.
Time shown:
11h47
